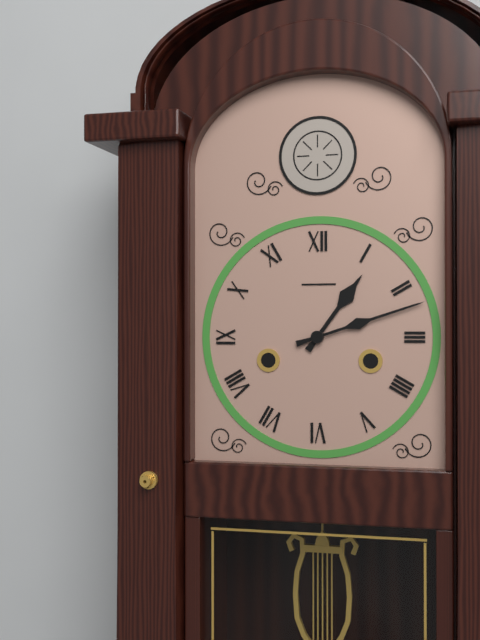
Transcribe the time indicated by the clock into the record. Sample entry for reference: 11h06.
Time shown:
1h12
